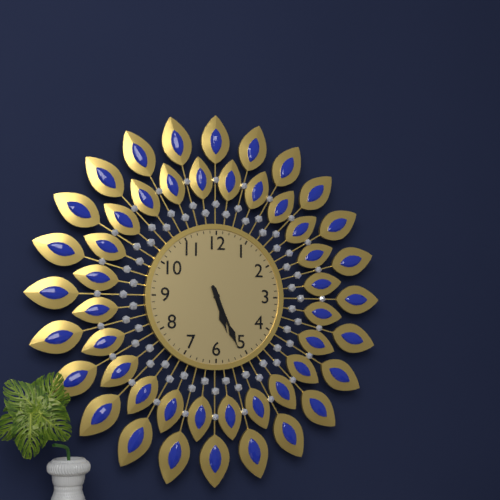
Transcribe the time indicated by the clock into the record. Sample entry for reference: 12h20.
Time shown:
5h26
